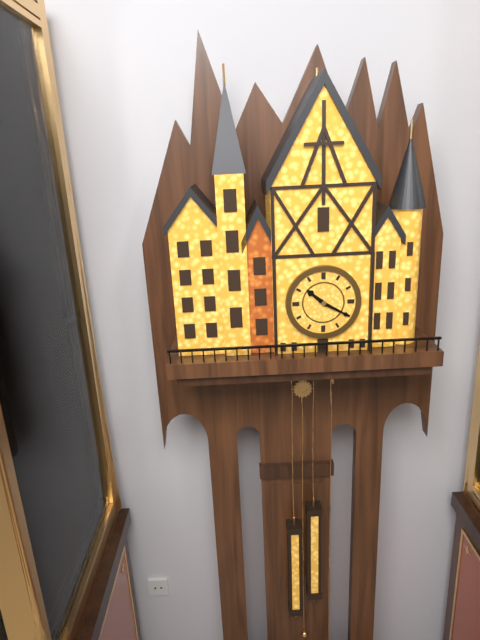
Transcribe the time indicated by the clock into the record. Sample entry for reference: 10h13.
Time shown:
10h20
